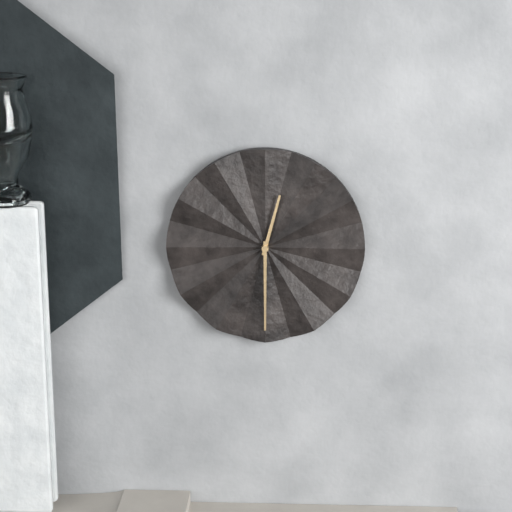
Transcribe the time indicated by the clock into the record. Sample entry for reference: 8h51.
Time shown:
12h30
